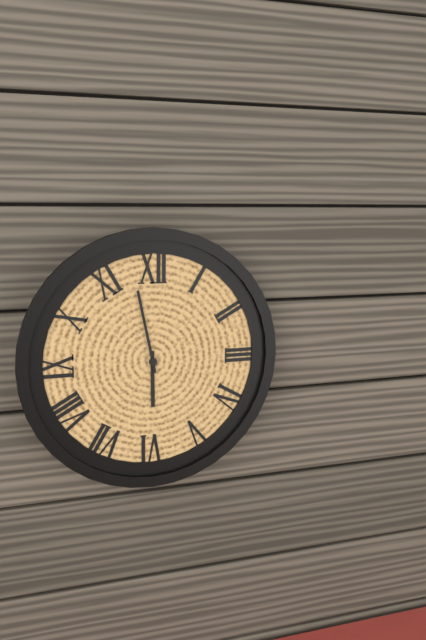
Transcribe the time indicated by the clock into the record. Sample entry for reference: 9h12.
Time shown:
5h58
